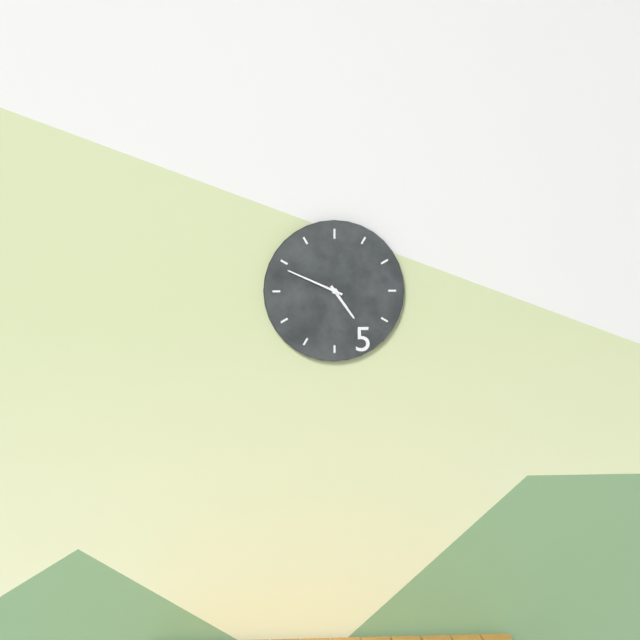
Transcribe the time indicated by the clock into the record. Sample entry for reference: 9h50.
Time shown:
4h49
